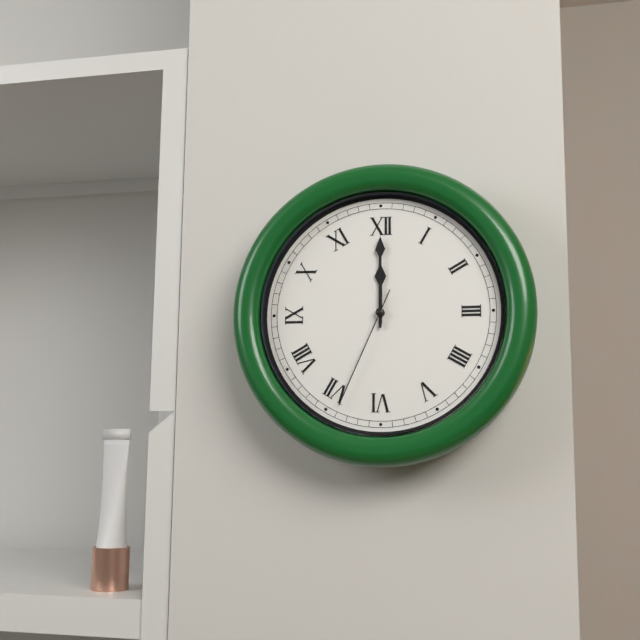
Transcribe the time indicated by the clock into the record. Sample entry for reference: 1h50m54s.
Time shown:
12h00m34s
